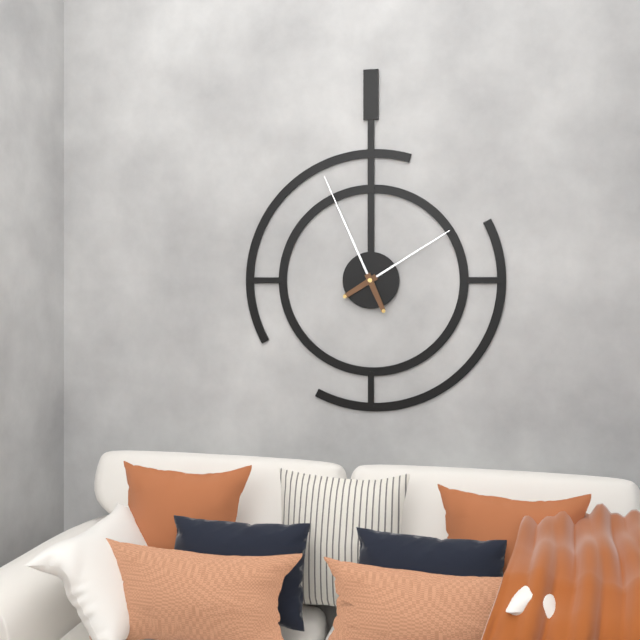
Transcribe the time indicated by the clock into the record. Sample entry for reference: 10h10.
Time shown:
1h56
